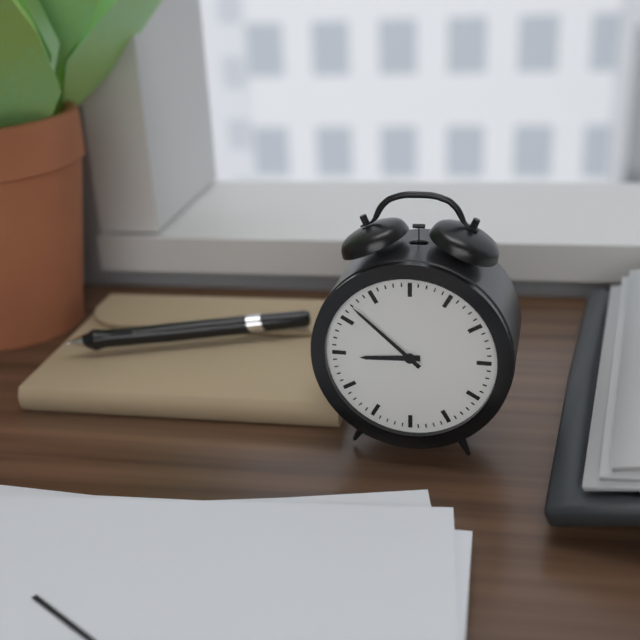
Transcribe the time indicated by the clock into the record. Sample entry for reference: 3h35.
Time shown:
8h52
